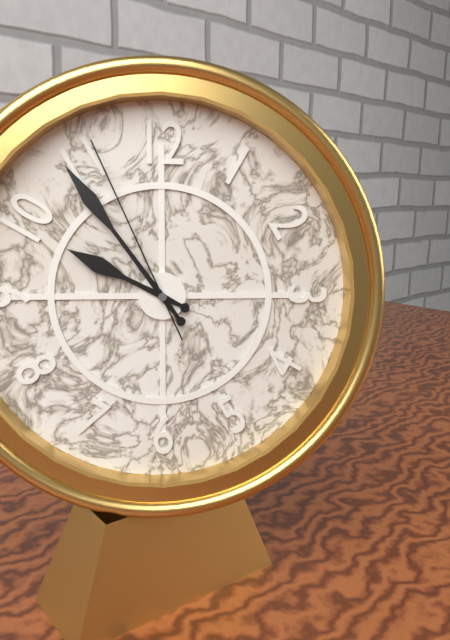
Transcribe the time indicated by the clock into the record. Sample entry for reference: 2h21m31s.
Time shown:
9h54m56s
